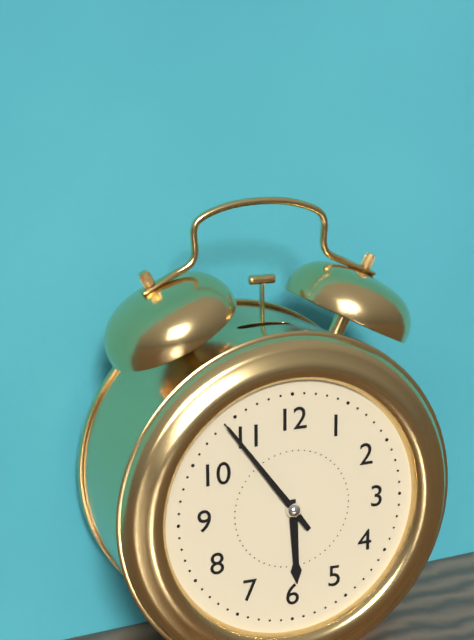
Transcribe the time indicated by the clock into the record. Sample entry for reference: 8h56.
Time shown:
5h54
